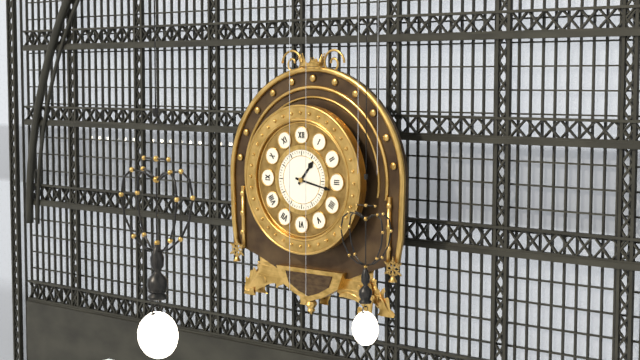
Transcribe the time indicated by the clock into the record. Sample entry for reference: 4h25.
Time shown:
1h17
